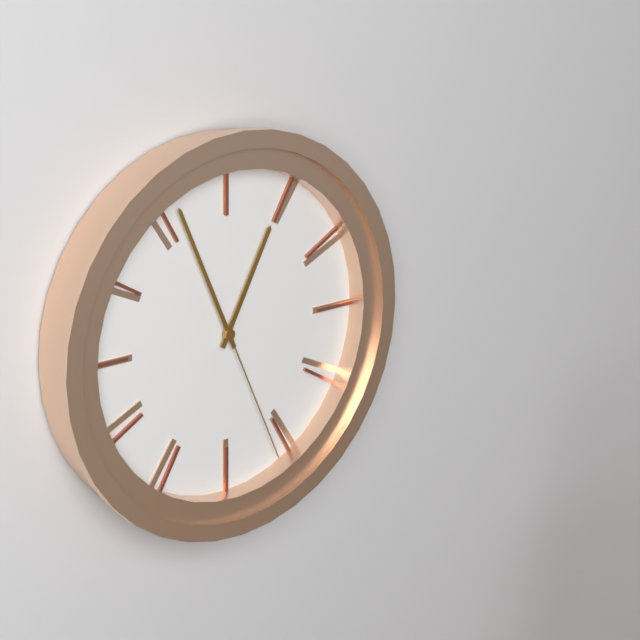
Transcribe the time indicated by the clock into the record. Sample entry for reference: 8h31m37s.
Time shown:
12h56m26s
